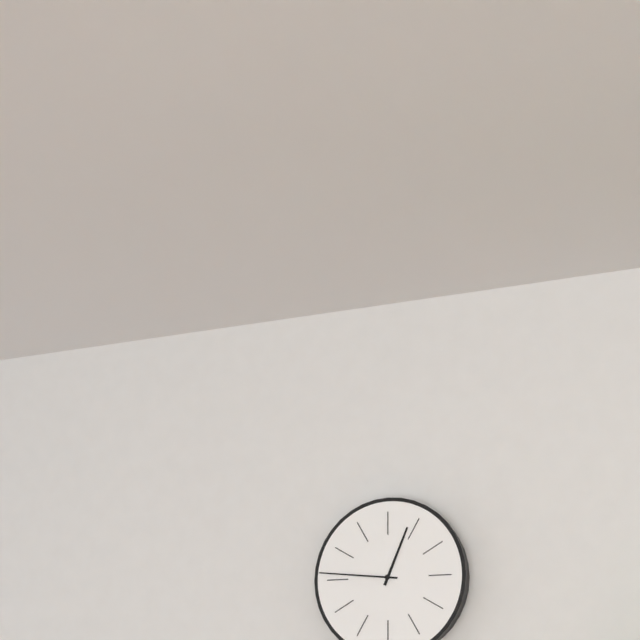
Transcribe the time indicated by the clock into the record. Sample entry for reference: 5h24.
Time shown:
12h46
